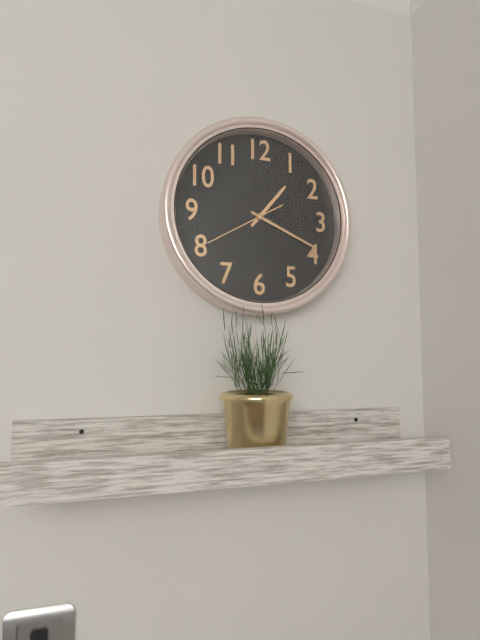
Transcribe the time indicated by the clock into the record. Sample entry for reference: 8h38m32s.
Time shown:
1h19m40s
